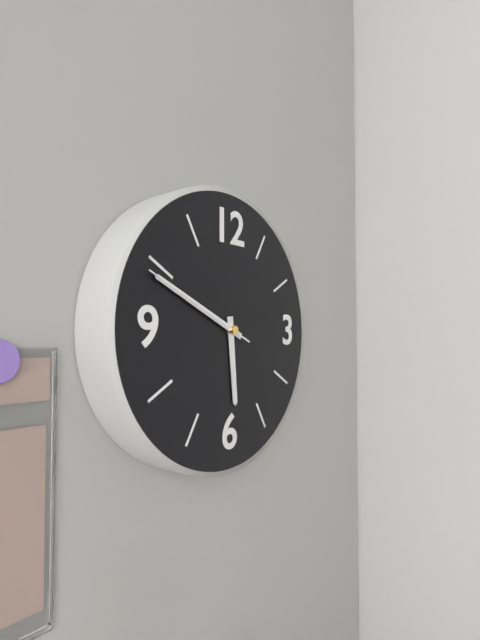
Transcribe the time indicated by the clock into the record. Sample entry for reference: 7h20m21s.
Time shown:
5h49m49s
